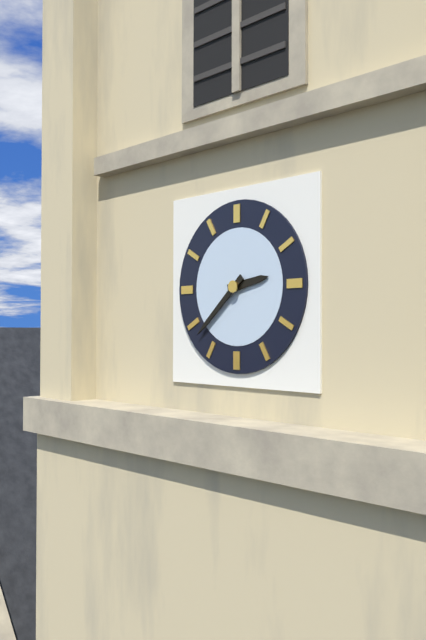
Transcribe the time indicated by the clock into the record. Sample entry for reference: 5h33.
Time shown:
2h38
